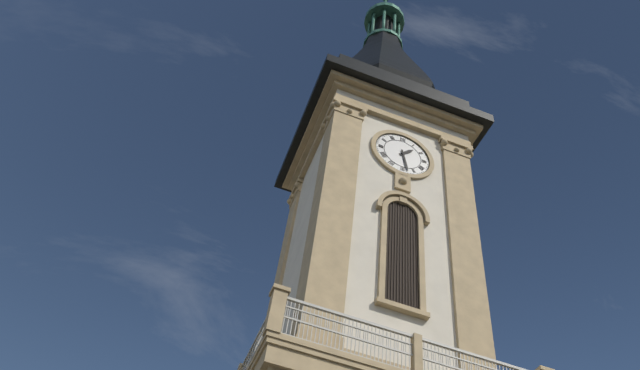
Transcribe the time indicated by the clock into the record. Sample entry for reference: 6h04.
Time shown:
1h28
